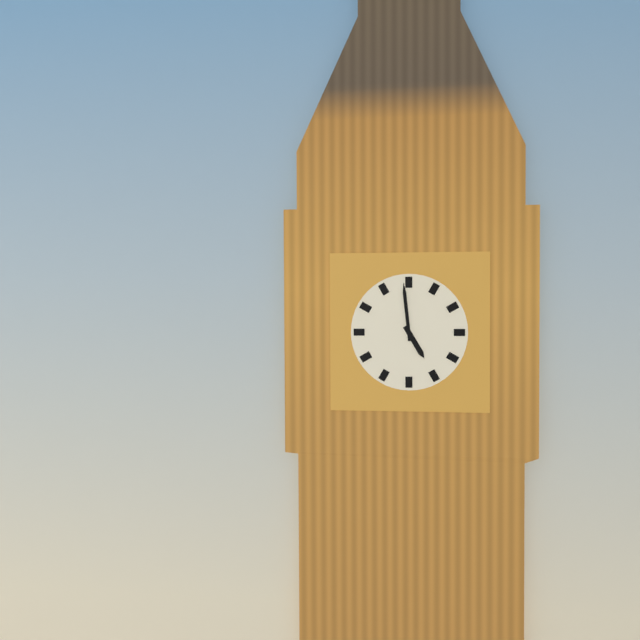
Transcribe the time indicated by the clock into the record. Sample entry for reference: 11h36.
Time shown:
4h59
